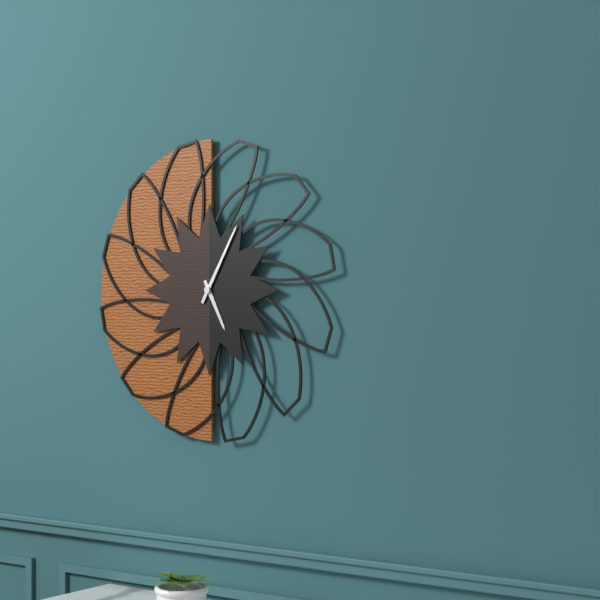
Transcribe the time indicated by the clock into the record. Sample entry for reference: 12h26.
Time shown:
5h05
